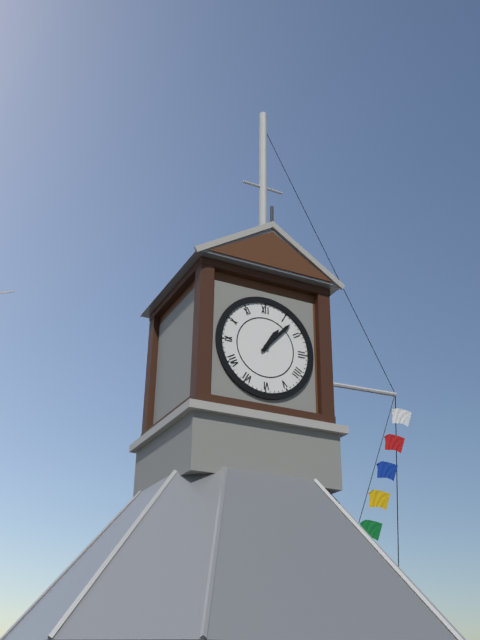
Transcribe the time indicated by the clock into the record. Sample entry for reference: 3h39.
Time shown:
1h07
